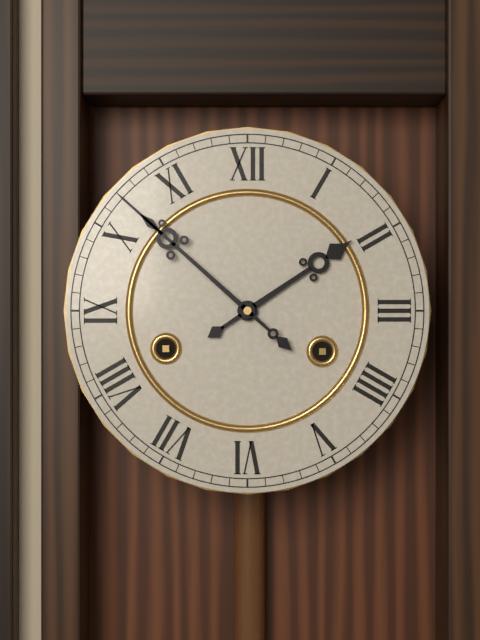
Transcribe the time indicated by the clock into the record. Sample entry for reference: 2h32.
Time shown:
1h52
